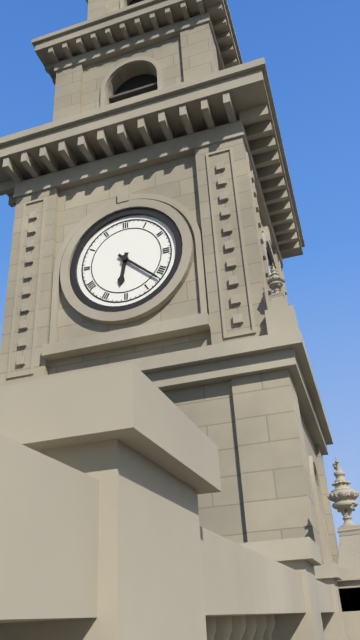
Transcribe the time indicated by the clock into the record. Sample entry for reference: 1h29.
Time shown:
6h22
